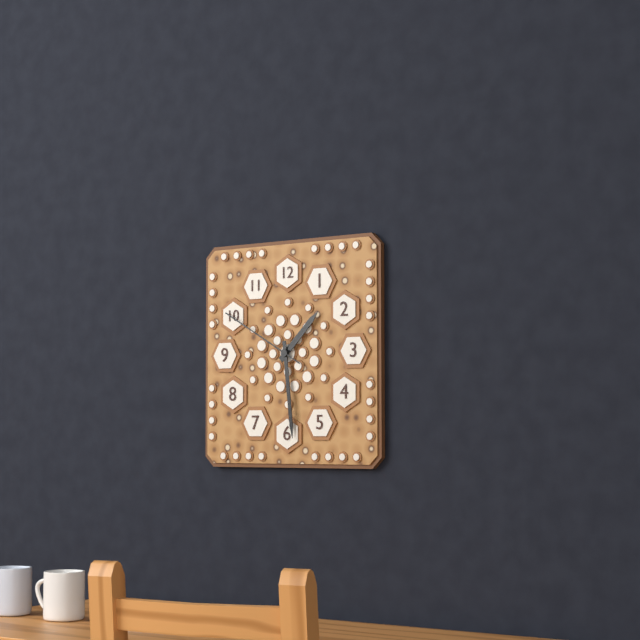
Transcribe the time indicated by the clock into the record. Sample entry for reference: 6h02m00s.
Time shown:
1h29m50s
